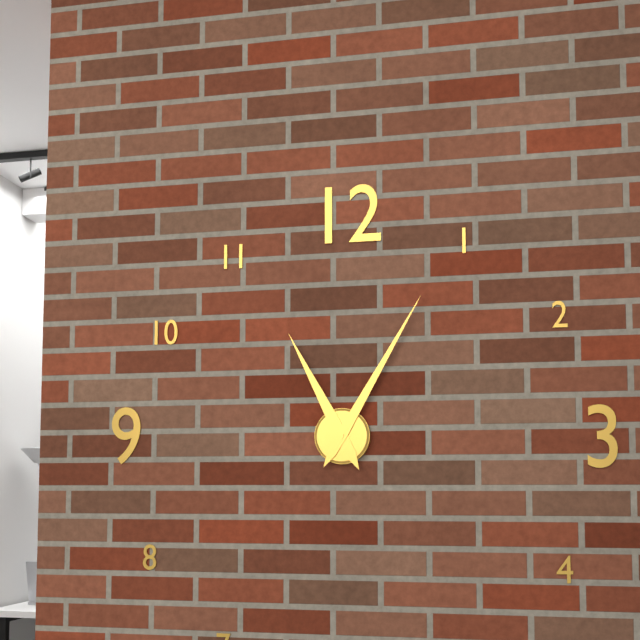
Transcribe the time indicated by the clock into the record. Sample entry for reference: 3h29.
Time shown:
11h05
